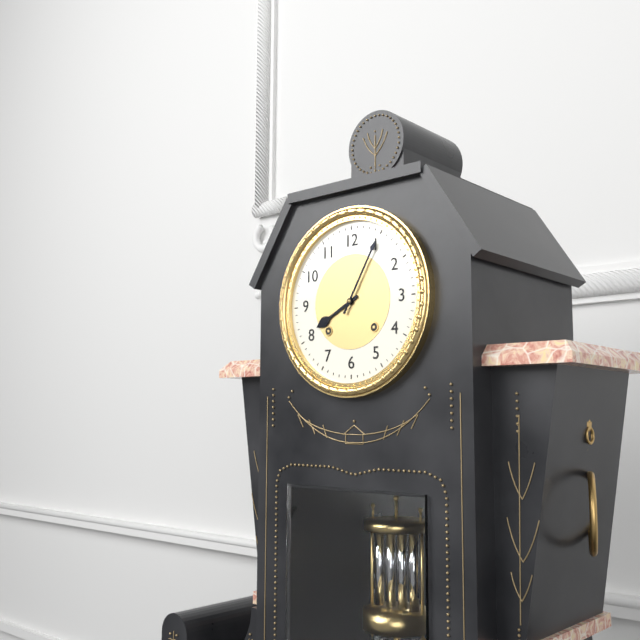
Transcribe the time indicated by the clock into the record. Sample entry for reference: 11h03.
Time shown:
8h05
